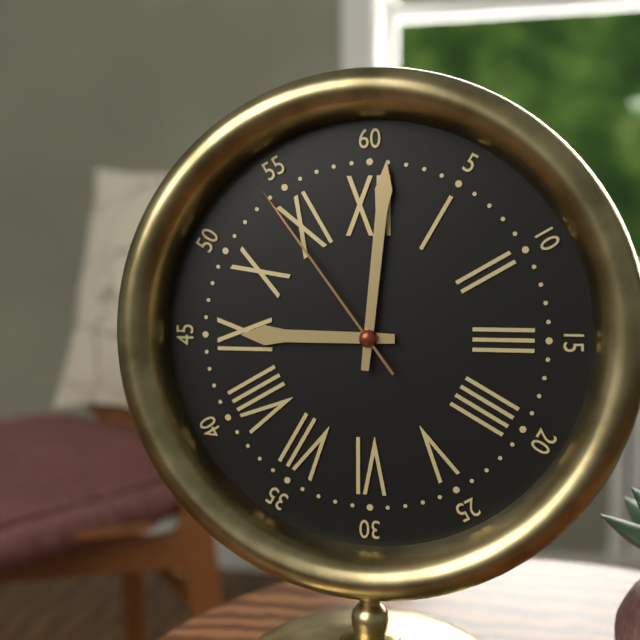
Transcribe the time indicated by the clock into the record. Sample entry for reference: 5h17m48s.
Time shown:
9h01m54s
